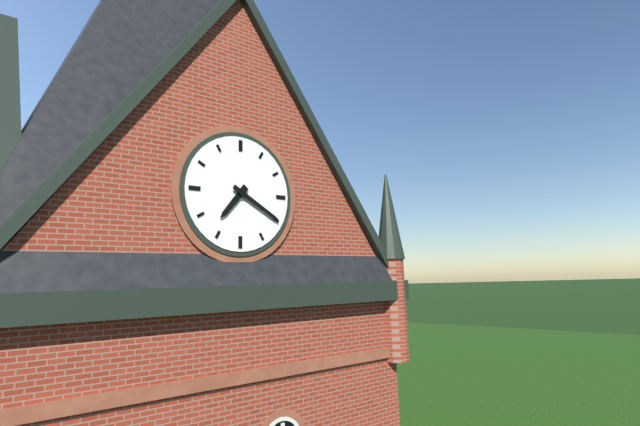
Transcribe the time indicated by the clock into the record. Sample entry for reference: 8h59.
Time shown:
7h20
